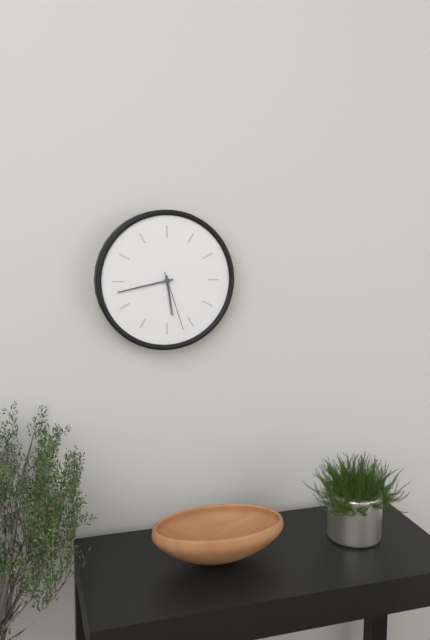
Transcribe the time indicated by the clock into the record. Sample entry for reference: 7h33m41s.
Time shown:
5h43m27s
